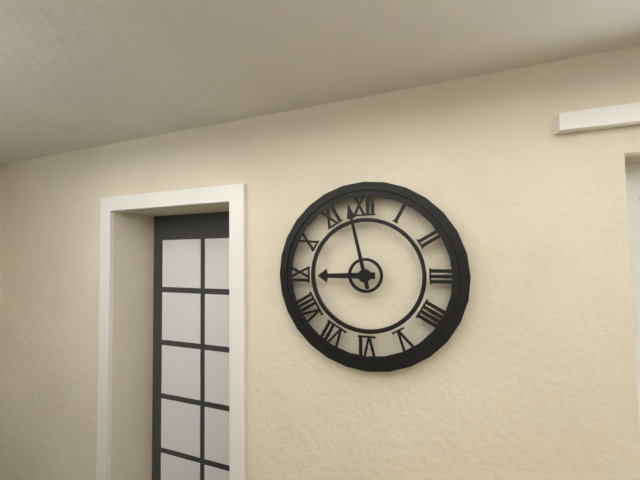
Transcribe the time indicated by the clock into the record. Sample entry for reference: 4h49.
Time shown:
8h58
